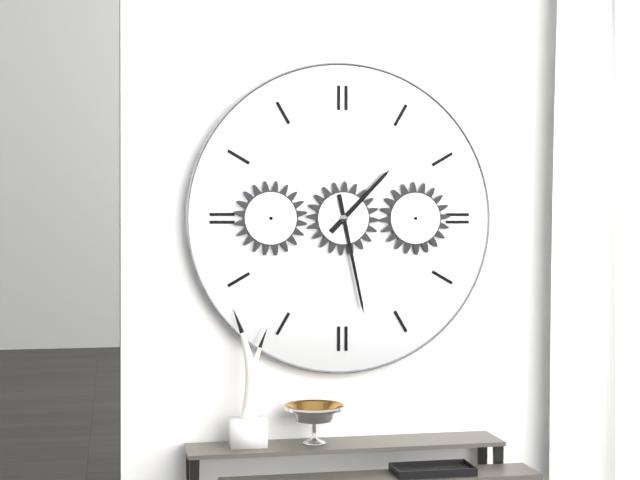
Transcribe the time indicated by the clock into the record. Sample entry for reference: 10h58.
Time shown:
1h28
